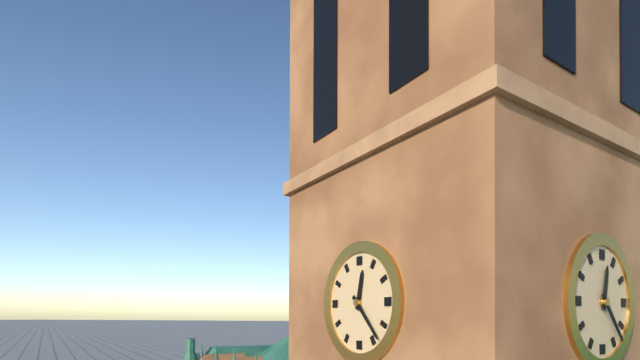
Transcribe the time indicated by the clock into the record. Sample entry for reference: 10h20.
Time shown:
12h23
